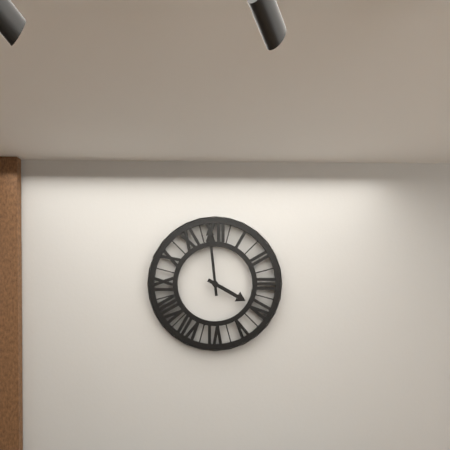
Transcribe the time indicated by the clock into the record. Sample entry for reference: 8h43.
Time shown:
3h59
